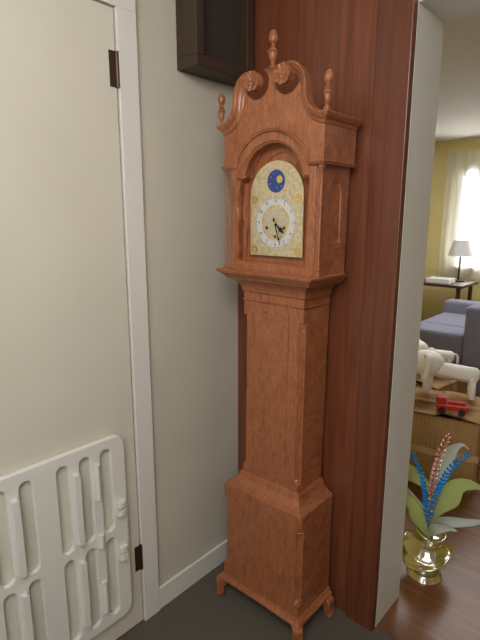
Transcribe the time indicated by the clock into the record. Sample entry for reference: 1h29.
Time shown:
4h27
